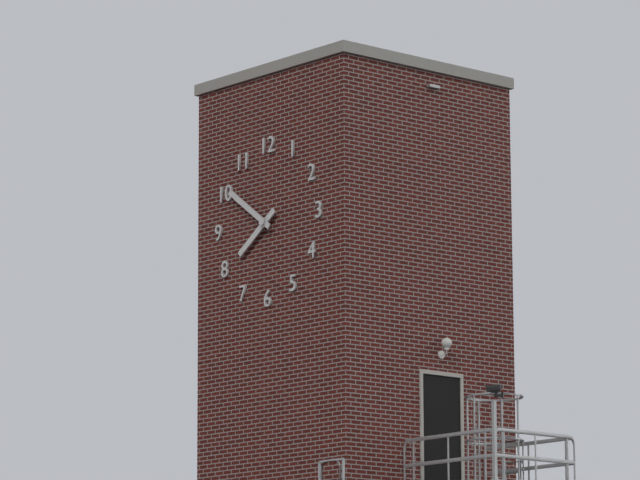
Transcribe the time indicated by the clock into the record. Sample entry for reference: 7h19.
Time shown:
7h51
